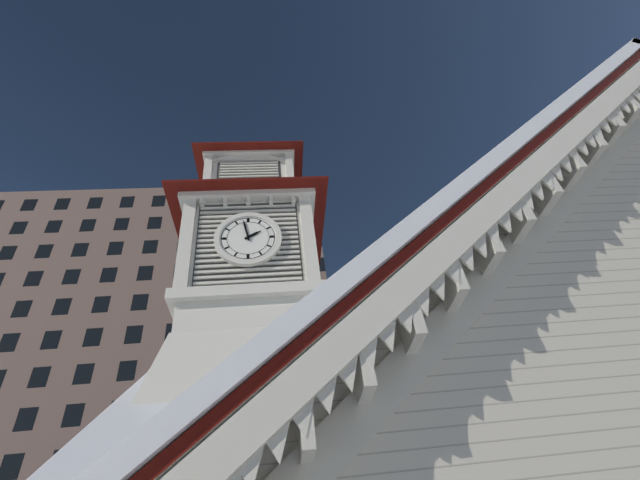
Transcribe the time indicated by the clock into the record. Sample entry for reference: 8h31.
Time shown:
1h58
